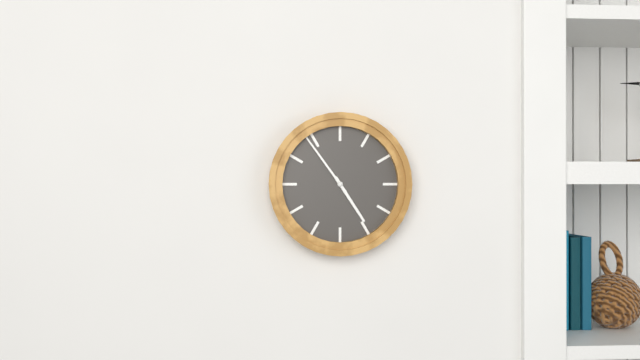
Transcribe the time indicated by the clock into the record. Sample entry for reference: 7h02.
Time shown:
4h54
